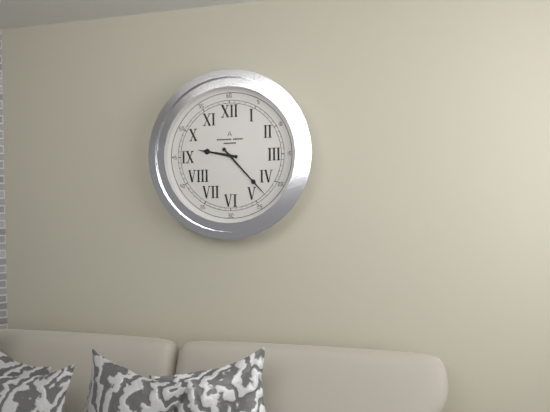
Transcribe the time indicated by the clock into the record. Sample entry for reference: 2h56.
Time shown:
9h23
